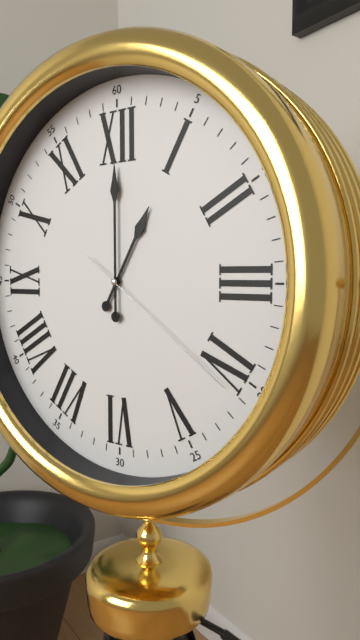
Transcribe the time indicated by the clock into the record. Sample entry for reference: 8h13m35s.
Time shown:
1h00m21s
